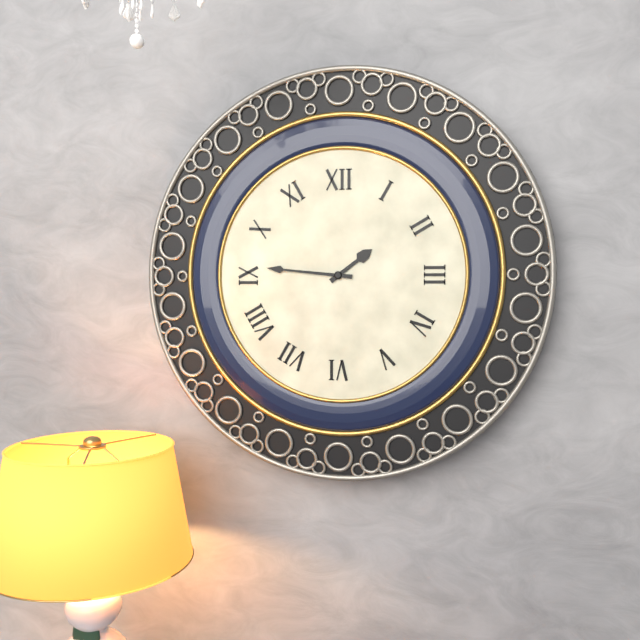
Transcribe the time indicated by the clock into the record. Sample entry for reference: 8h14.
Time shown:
1h46
